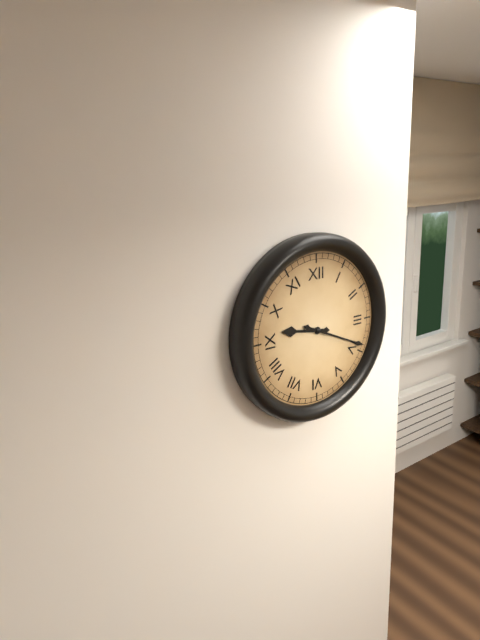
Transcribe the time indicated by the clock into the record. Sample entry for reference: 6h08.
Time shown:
9h19
